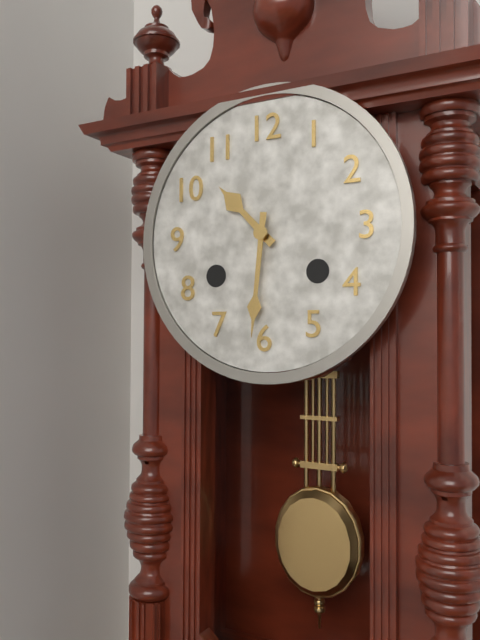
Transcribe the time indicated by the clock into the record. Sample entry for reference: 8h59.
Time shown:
10h31
